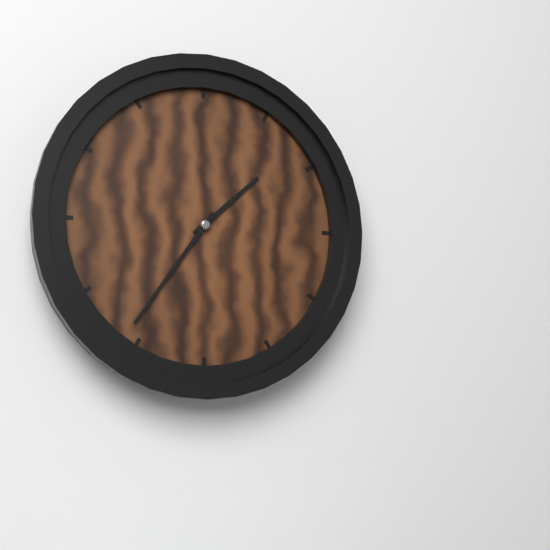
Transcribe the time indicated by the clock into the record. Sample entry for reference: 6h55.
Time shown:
1h36
